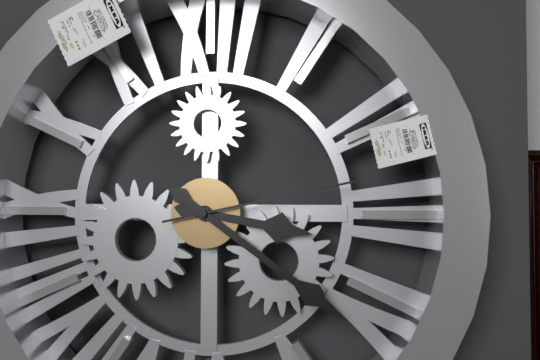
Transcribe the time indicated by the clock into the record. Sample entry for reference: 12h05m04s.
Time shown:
3h21m13s
